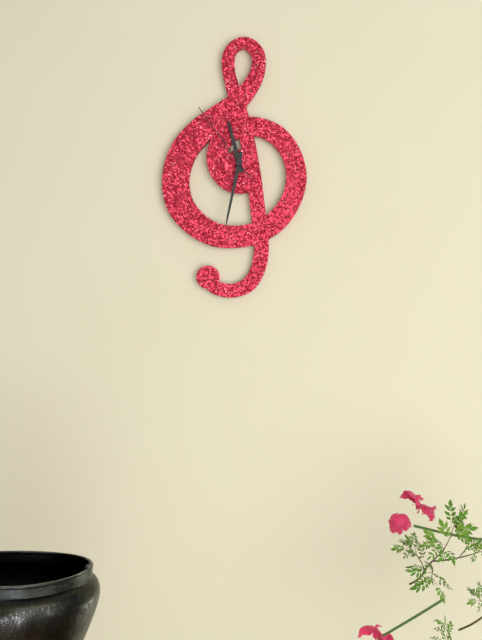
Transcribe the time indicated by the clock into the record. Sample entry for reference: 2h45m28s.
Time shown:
11h32m54s
